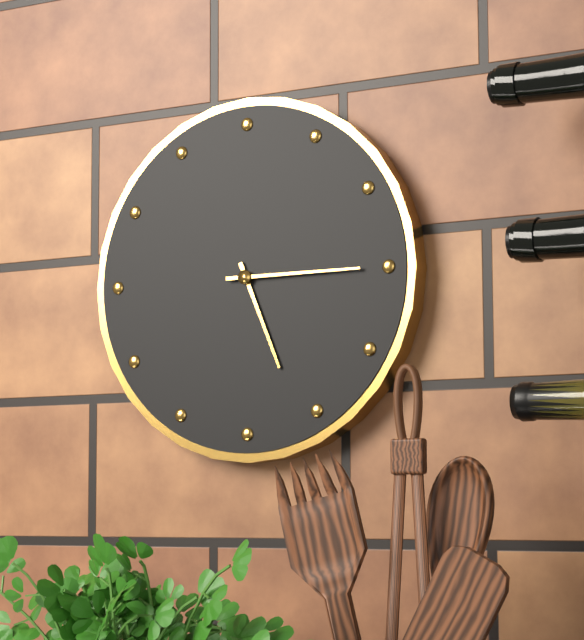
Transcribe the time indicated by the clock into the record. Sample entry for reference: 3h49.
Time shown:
5h15
